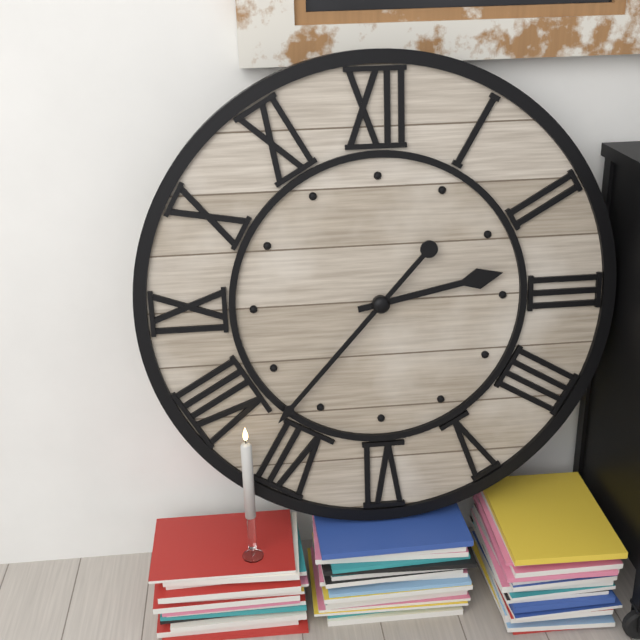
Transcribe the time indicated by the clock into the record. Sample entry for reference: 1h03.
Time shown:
2h37
